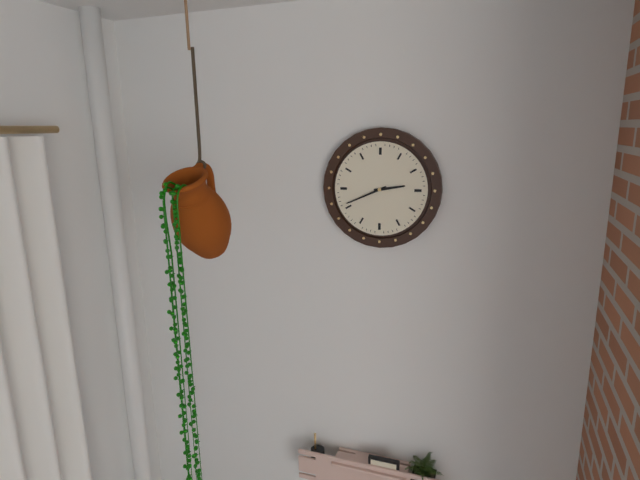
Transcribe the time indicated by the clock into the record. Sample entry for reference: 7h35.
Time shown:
2h41
